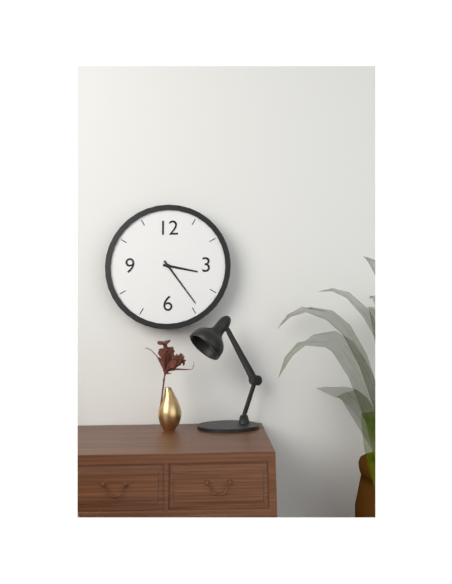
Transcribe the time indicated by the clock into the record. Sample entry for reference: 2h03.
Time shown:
3h24
